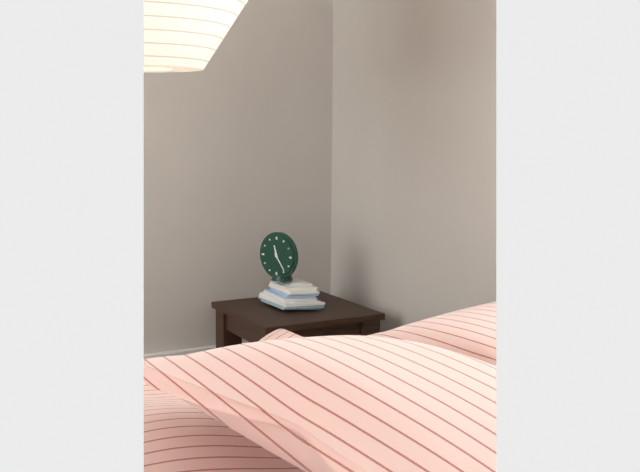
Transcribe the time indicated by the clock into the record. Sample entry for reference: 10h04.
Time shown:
11h24
